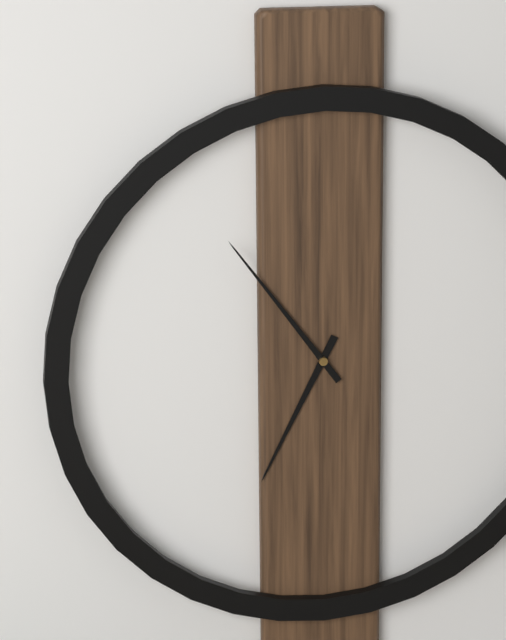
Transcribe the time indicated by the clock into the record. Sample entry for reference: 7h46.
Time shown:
6h54
